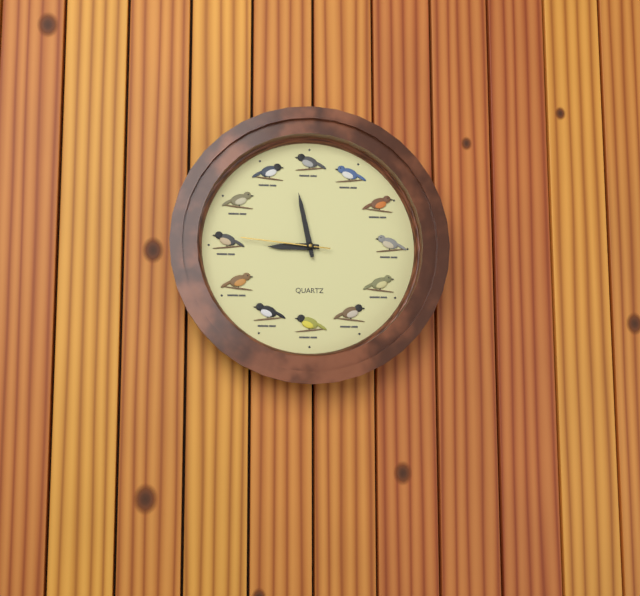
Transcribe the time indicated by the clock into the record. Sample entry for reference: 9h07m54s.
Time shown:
8h58m46s
